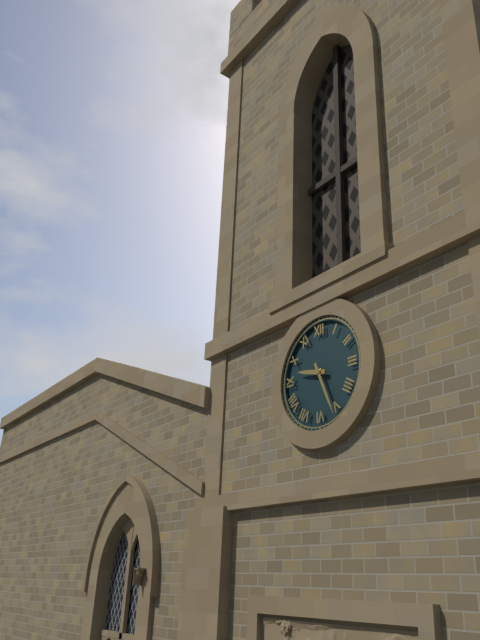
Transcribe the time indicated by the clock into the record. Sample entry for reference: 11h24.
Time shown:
9h26
